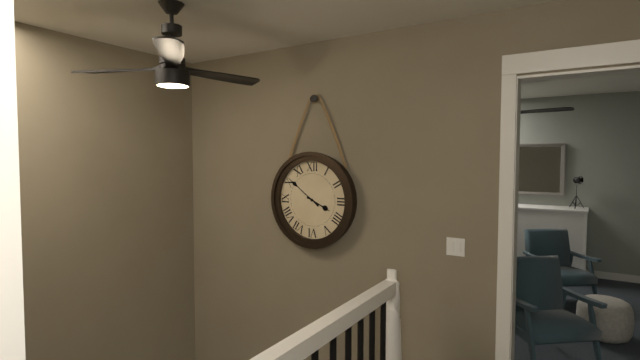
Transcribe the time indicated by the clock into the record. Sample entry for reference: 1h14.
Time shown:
3h51
